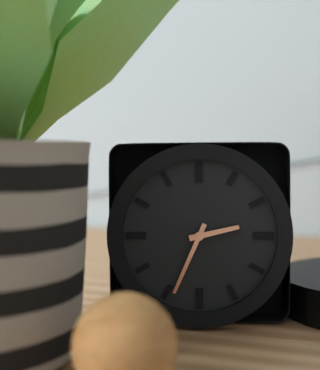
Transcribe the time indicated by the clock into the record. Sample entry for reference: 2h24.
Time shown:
2h34
